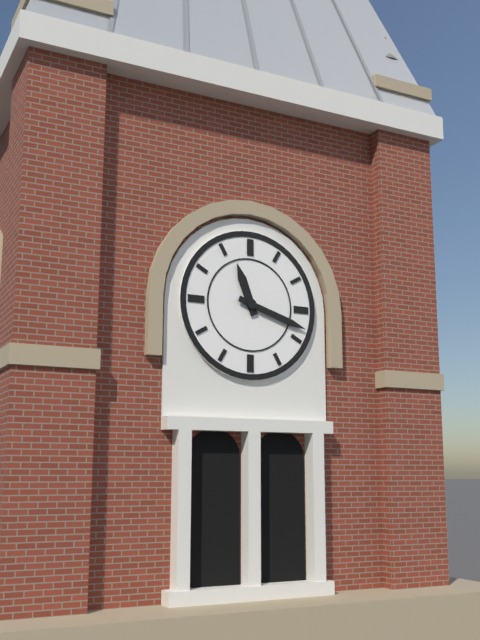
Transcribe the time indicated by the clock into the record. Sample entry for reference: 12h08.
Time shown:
11h18
